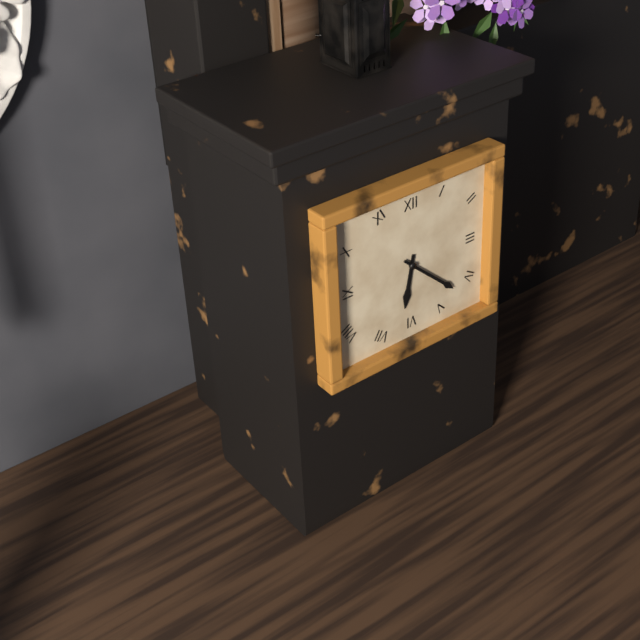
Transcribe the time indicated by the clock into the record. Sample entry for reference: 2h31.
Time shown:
6h22
